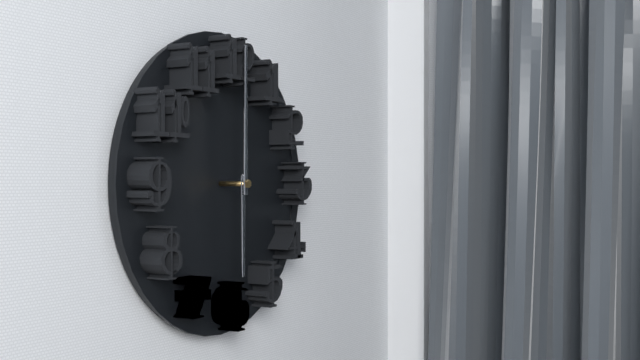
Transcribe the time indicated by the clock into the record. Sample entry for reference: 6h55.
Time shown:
6h00
